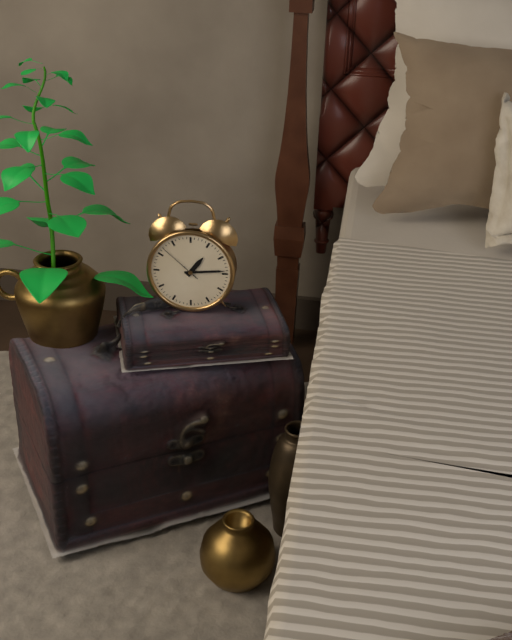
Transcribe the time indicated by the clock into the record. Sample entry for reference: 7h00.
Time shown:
1h14
